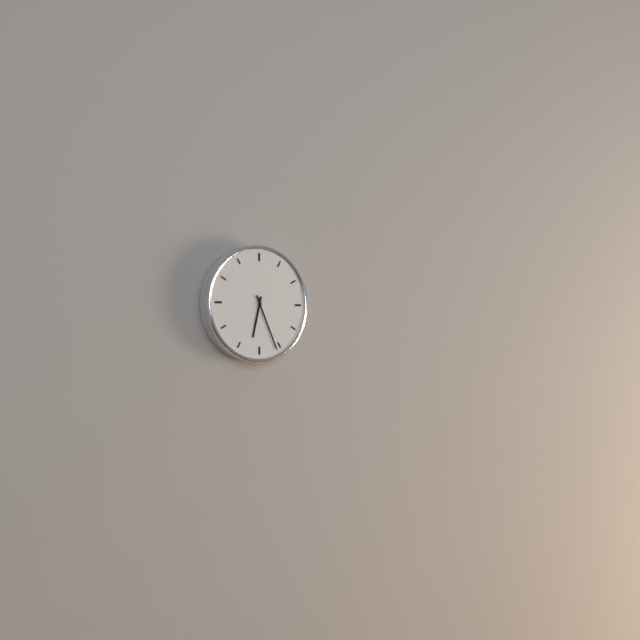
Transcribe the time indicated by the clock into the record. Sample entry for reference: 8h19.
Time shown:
6h26
